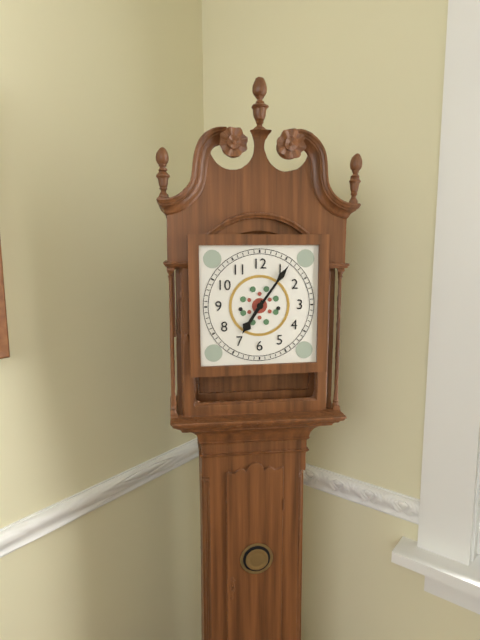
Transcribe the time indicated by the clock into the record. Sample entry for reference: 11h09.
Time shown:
7h06
